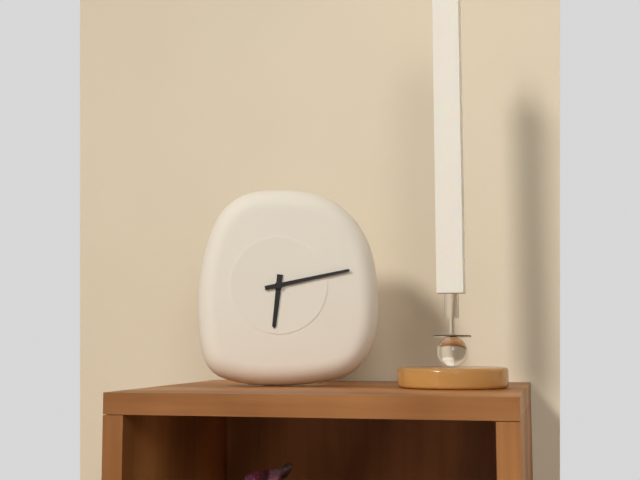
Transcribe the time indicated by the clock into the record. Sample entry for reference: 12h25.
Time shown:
6h13
